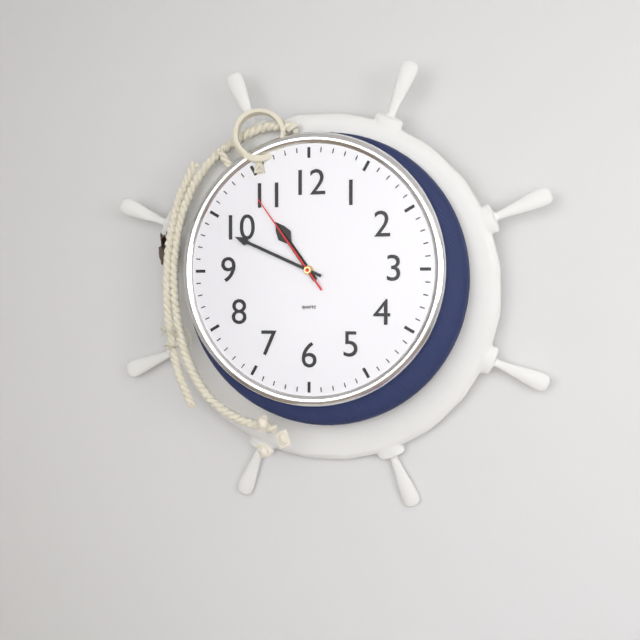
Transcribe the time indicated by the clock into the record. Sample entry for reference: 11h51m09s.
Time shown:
10h49m54s
